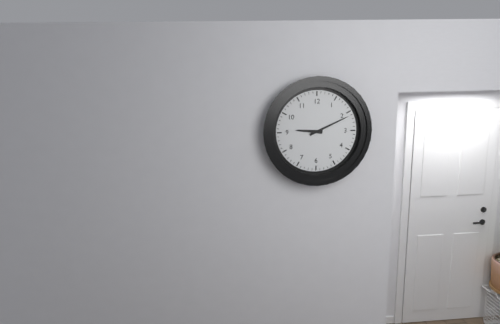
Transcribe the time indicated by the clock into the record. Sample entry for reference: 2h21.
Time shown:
9h11
